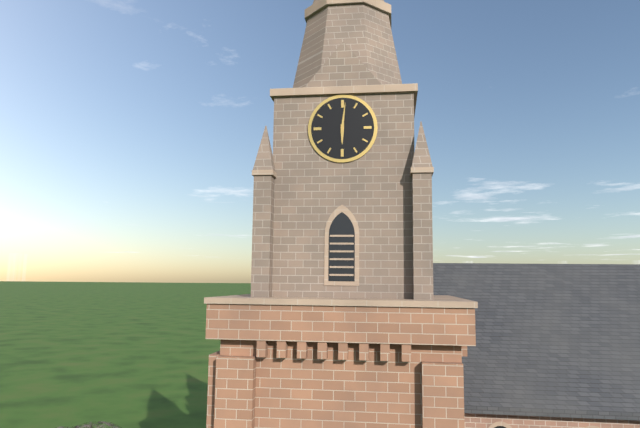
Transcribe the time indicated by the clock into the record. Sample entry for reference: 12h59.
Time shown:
6h01
